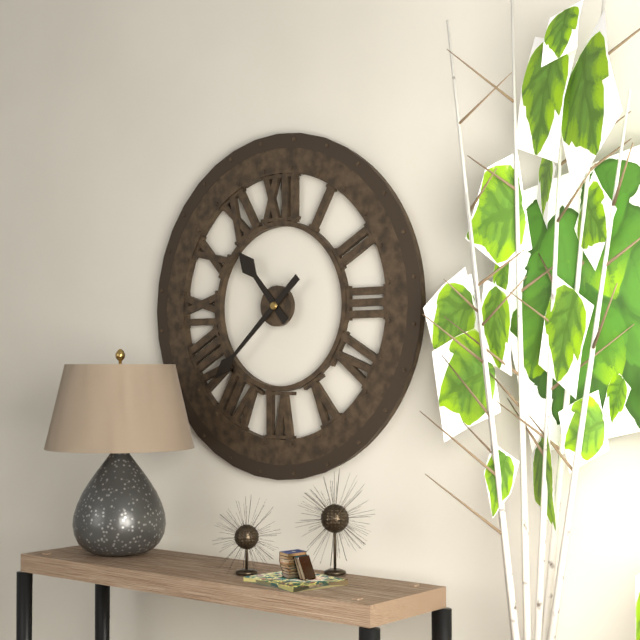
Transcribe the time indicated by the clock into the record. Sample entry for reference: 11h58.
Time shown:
10h38
